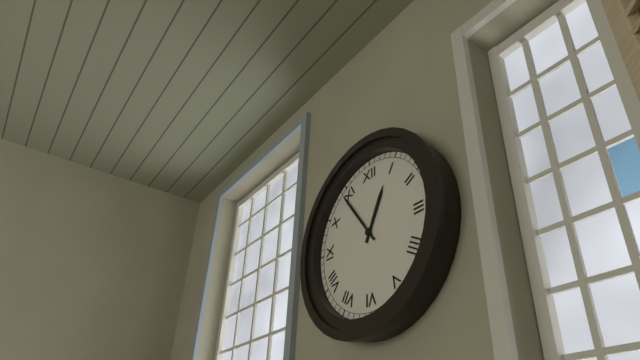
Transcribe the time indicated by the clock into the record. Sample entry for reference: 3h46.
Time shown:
12h54
